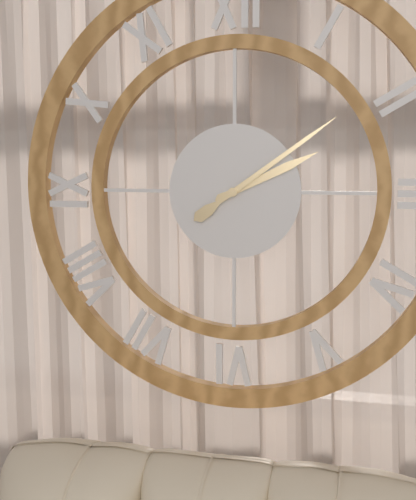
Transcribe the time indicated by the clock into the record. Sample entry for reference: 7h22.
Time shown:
2h09
